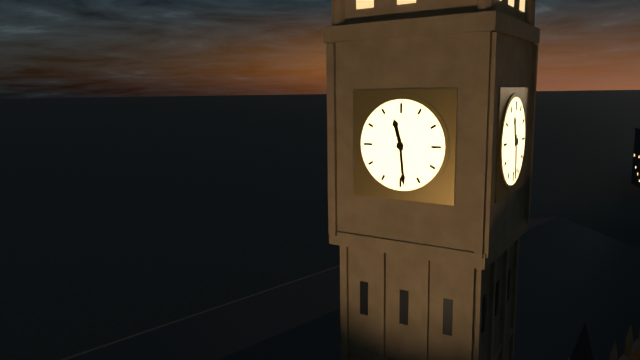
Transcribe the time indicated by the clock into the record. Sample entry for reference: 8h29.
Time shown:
11h29
